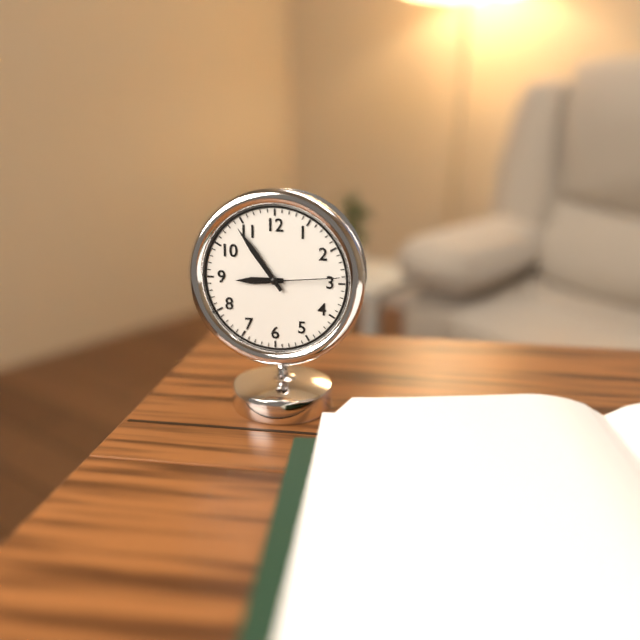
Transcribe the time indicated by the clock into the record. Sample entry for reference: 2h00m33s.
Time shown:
8h54m14s
